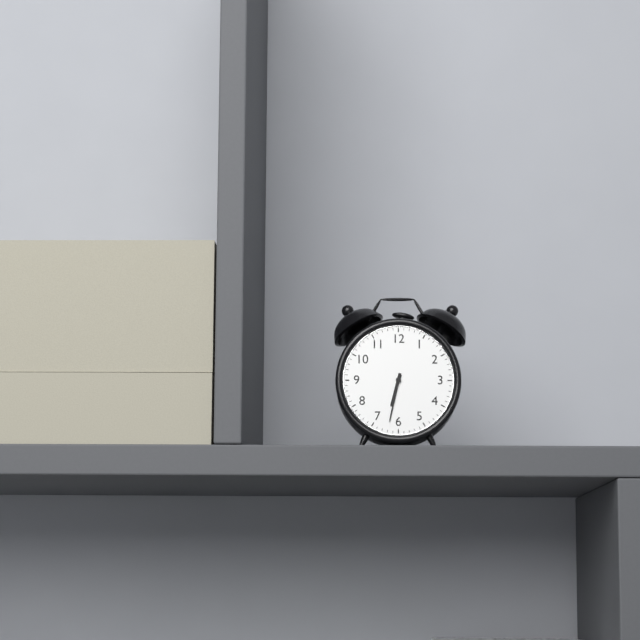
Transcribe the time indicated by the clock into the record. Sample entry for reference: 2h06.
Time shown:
6h32
